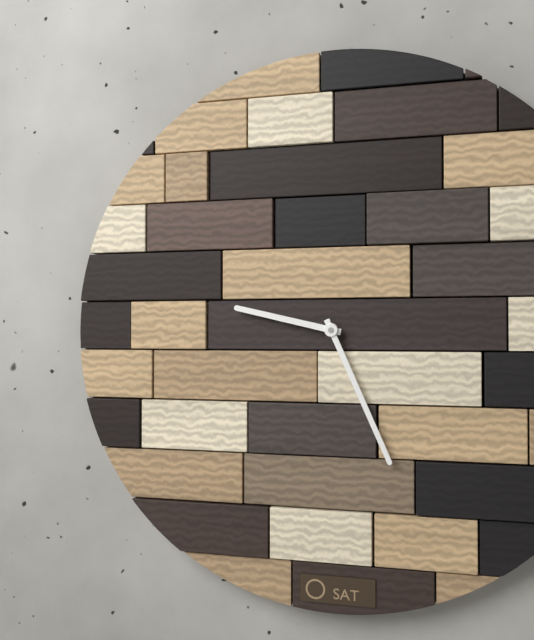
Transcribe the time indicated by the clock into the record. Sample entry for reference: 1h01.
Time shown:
9h26
